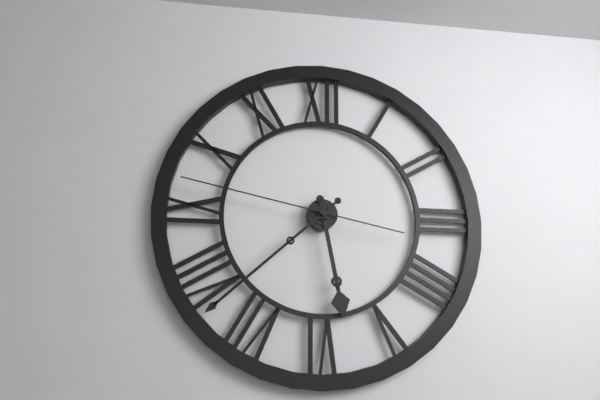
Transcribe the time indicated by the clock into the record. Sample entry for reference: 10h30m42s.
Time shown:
5h38m47s
